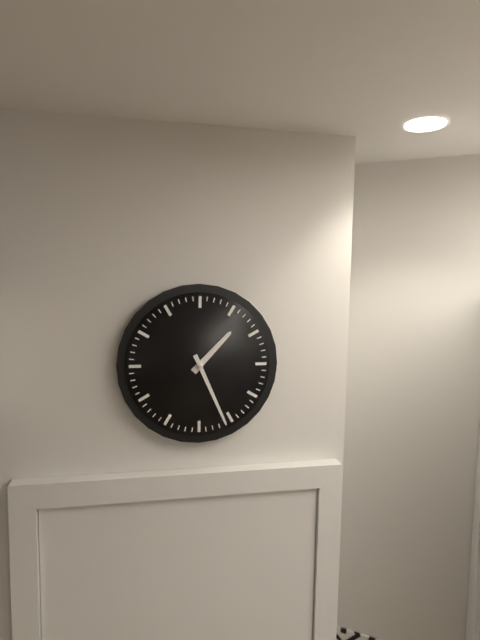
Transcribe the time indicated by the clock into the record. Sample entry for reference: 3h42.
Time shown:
1h26
